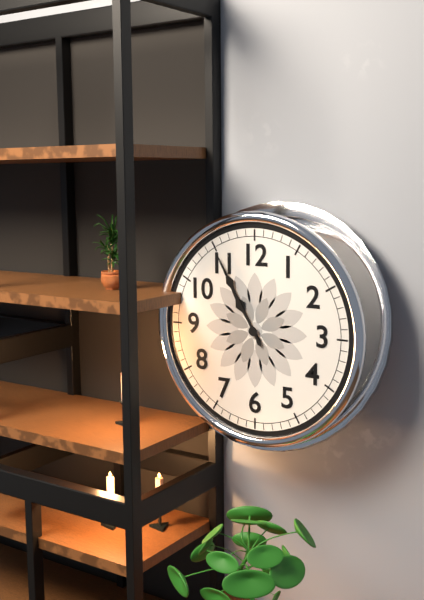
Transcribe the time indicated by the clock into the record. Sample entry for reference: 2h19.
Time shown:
10h55
